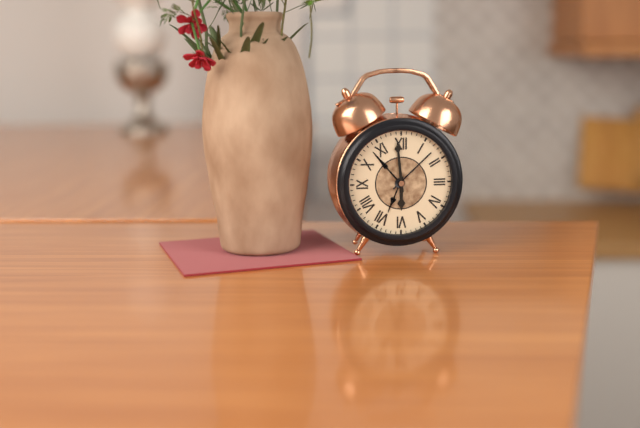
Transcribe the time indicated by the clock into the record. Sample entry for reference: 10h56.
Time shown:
5h59
